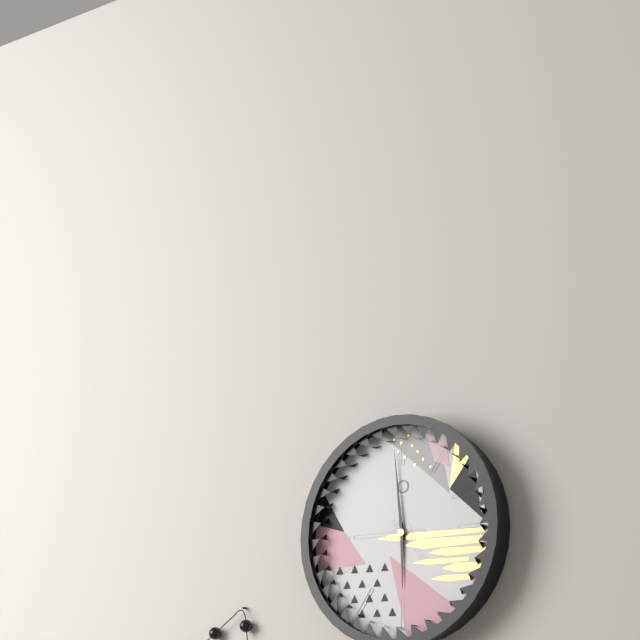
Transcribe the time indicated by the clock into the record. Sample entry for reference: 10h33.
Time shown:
5h59
